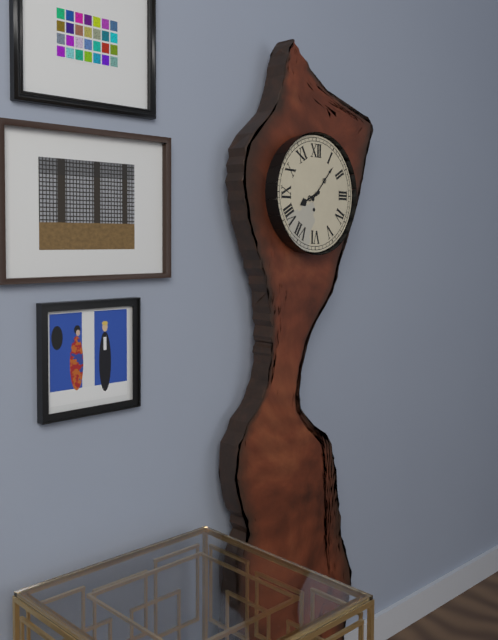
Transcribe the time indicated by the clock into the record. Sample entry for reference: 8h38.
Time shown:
8h07
